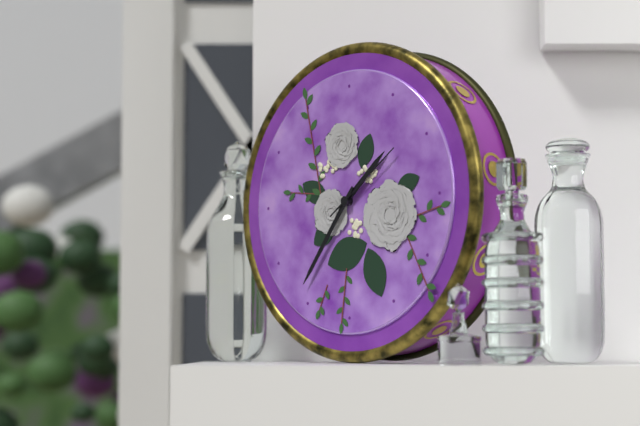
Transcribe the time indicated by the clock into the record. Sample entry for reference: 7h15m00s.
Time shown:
1h36m09s
